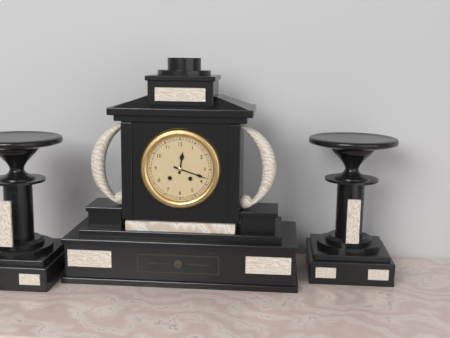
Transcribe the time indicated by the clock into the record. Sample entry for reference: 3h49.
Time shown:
12h18
